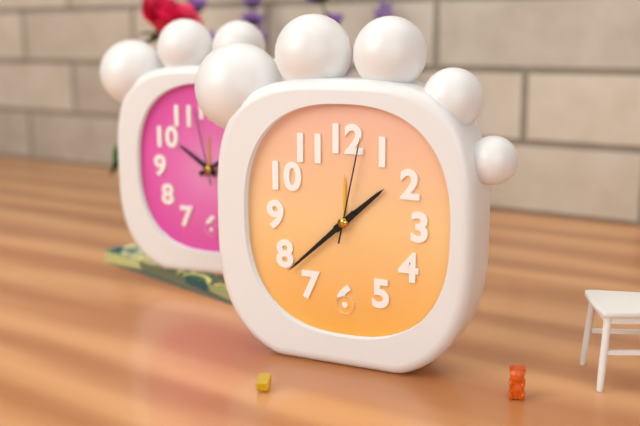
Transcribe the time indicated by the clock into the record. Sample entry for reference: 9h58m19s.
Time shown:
1h38m02s
